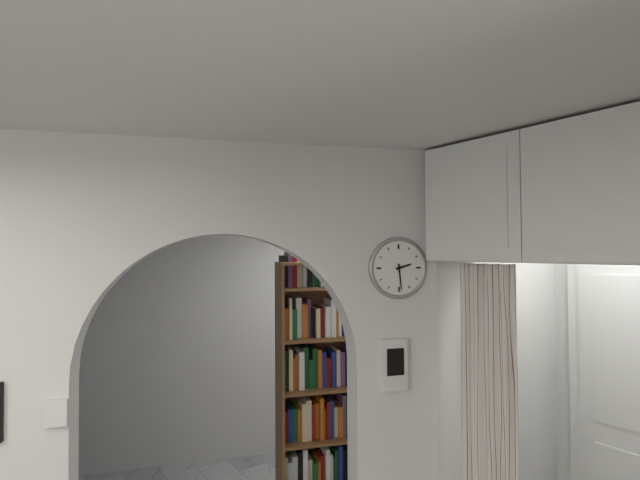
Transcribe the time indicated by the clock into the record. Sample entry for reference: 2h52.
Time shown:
2h29
